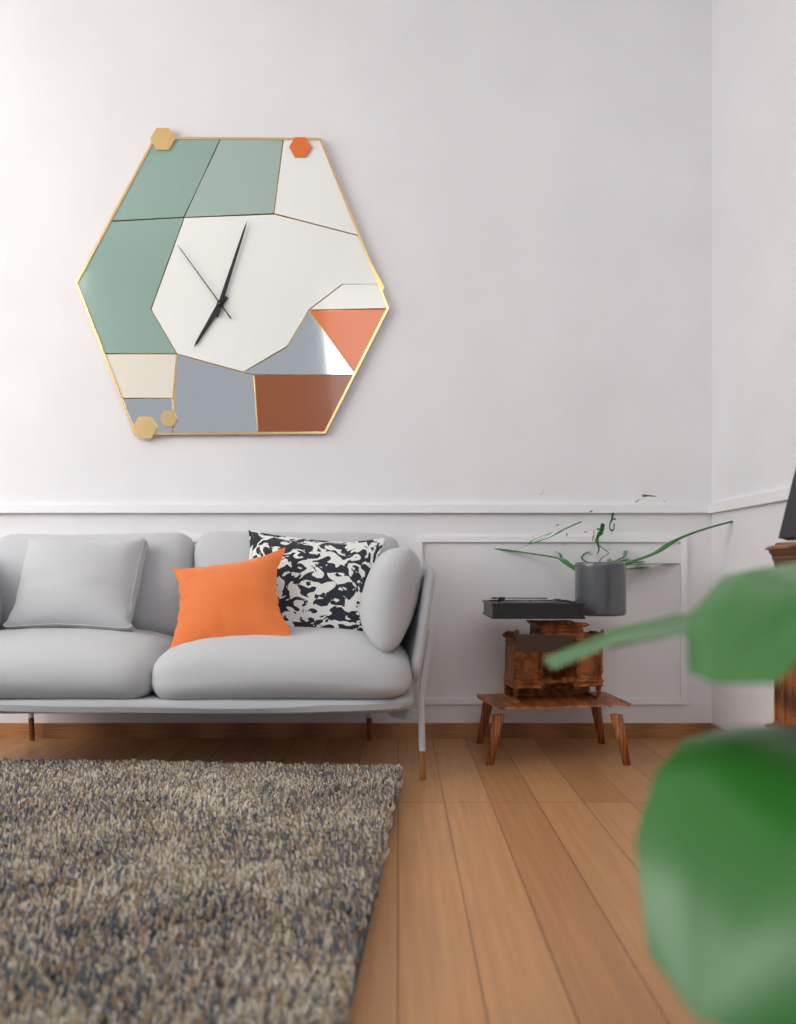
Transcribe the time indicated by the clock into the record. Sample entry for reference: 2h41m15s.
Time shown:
7h03m54s
